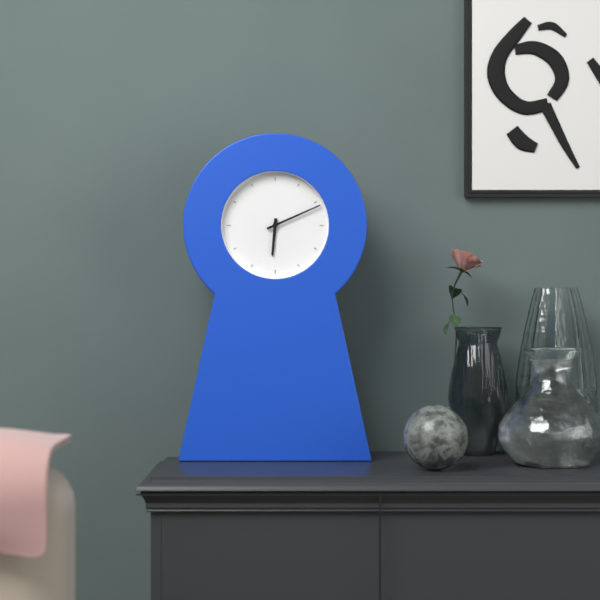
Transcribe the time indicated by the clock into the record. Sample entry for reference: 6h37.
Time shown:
6h11
